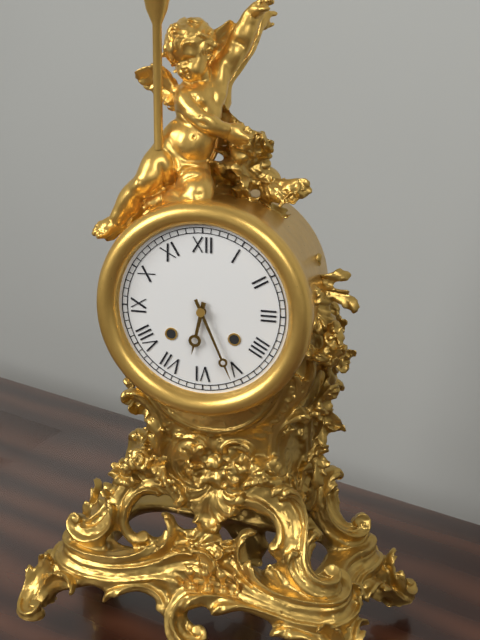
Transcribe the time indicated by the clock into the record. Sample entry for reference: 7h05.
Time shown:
6h26
